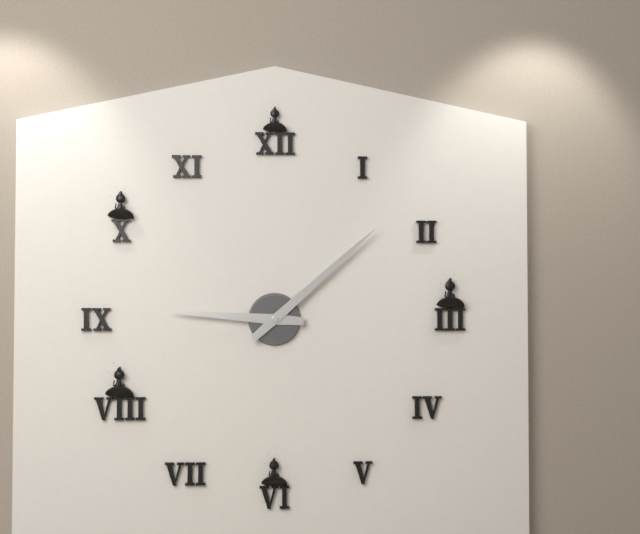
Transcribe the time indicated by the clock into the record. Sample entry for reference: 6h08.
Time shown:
9h08
